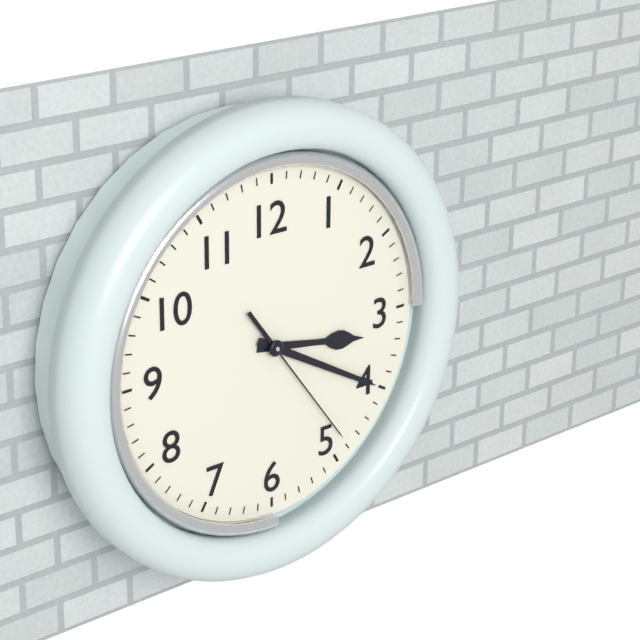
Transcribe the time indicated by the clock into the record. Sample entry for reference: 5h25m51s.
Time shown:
3h20m24s
